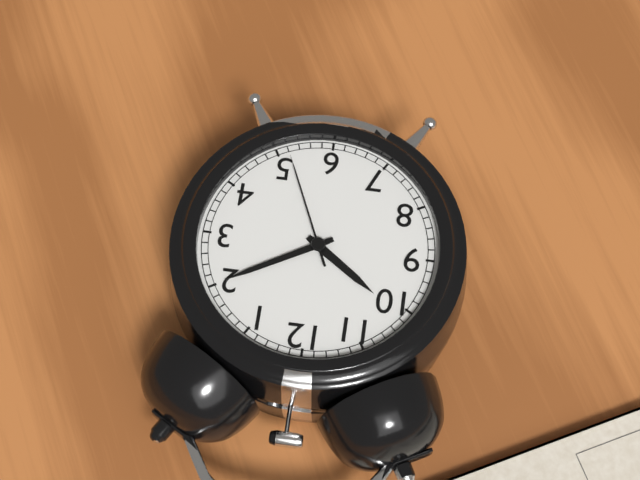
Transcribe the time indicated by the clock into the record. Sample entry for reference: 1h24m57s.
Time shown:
10h10m26s
